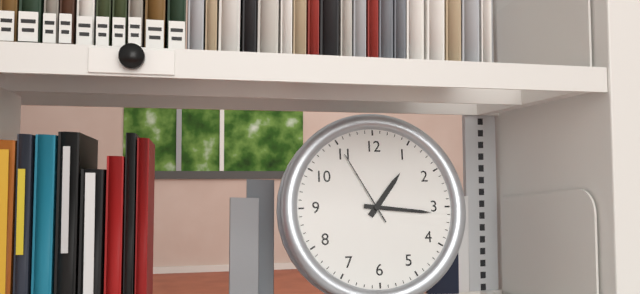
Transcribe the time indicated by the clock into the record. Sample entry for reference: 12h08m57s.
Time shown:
1h16m55s
